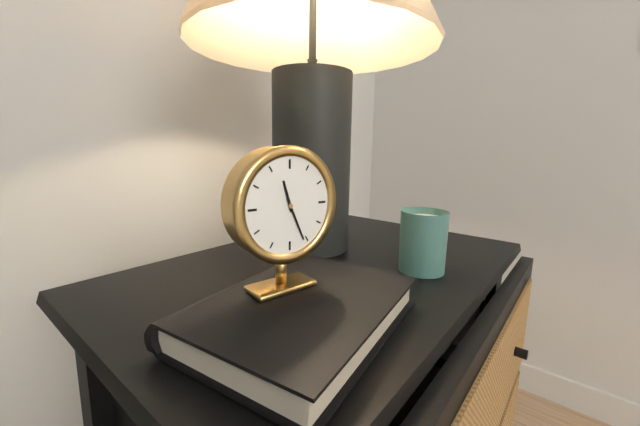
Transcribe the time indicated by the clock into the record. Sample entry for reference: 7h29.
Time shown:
11h26
